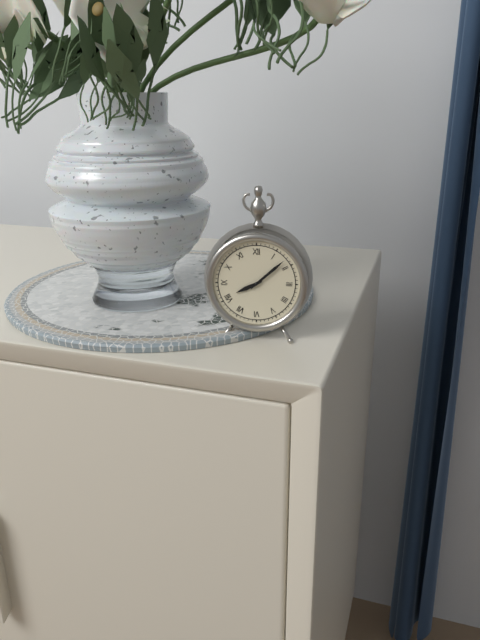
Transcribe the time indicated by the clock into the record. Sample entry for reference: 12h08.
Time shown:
8h08
